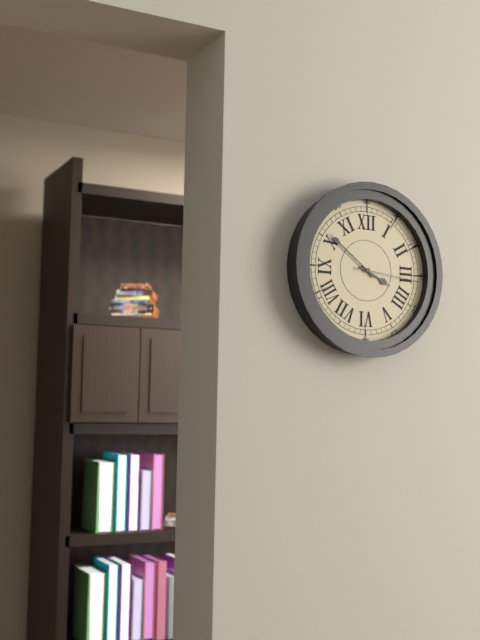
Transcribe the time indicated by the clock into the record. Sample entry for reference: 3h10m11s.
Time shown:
3h51m16s
